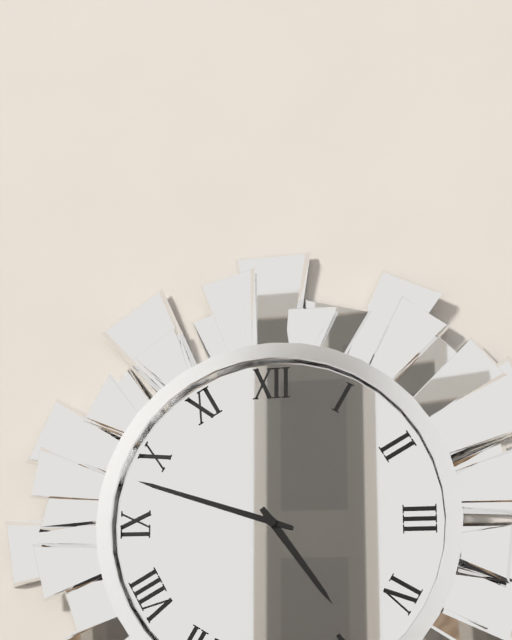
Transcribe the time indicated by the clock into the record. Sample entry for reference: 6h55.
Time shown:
4h48
